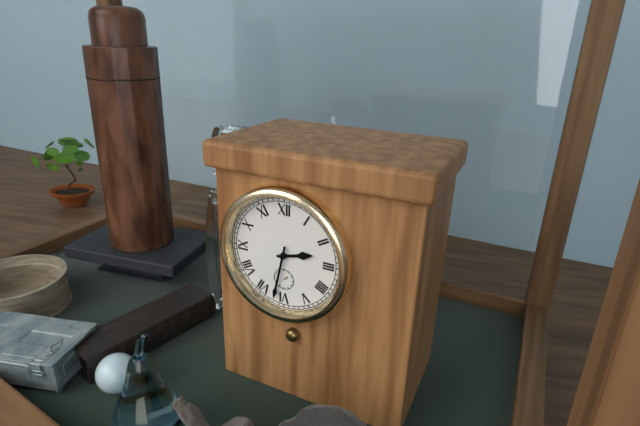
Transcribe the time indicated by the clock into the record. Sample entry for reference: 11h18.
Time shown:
2h32
